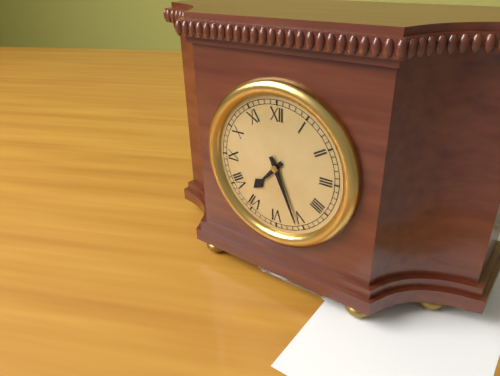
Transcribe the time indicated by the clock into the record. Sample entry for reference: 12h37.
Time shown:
7h26
